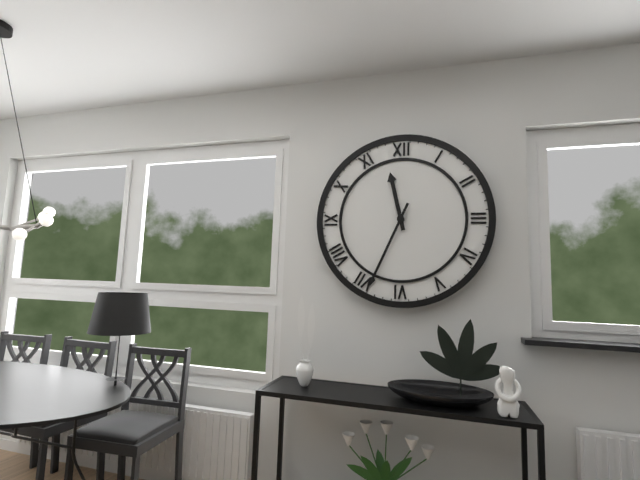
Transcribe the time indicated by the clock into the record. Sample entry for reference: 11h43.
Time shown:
11h34
